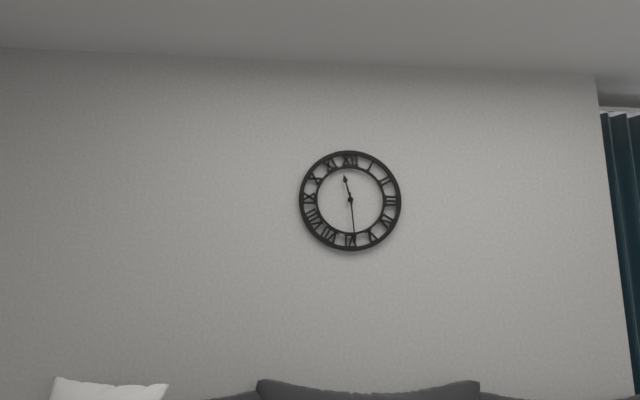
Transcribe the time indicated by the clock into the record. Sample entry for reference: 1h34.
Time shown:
11h29
